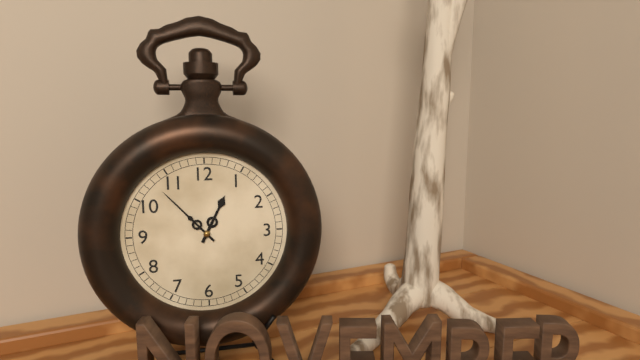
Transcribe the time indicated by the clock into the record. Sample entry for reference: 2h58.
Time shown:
12h53
